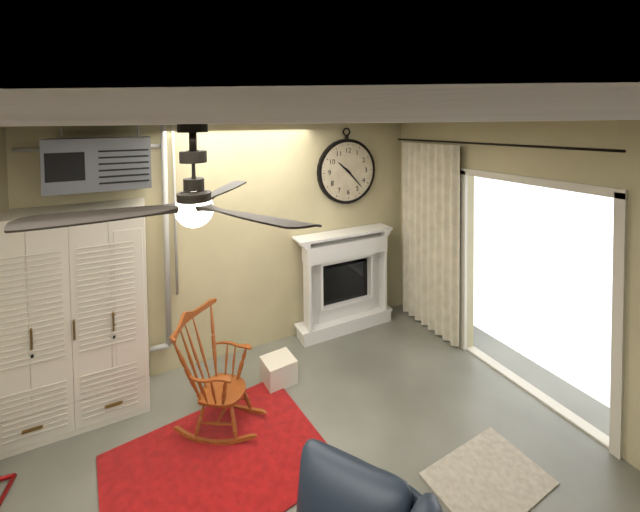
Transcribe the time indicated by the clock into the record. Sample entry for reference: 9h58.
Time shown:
10h23
